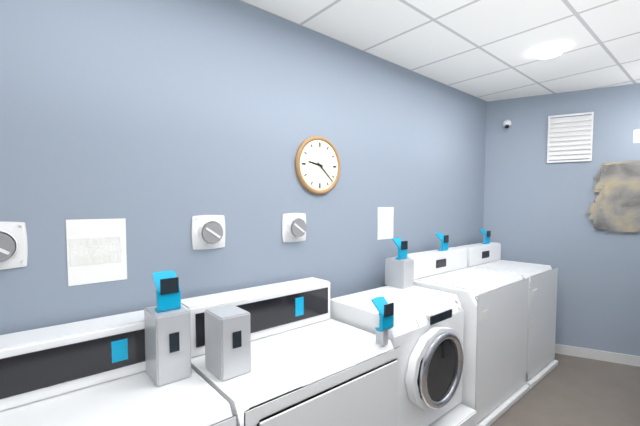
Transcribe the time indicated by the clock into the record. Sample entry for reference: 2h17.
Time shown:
9h22
